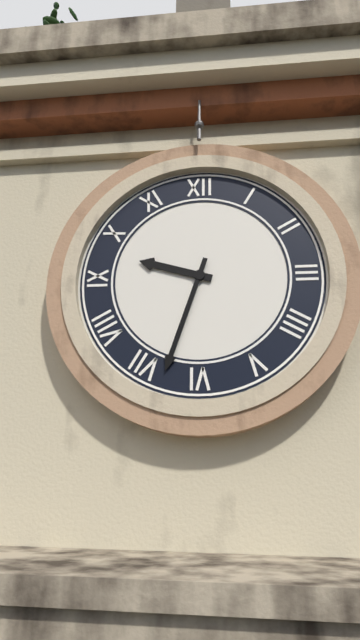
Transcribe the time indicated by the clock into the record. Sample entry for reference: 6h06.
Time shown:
9h33
